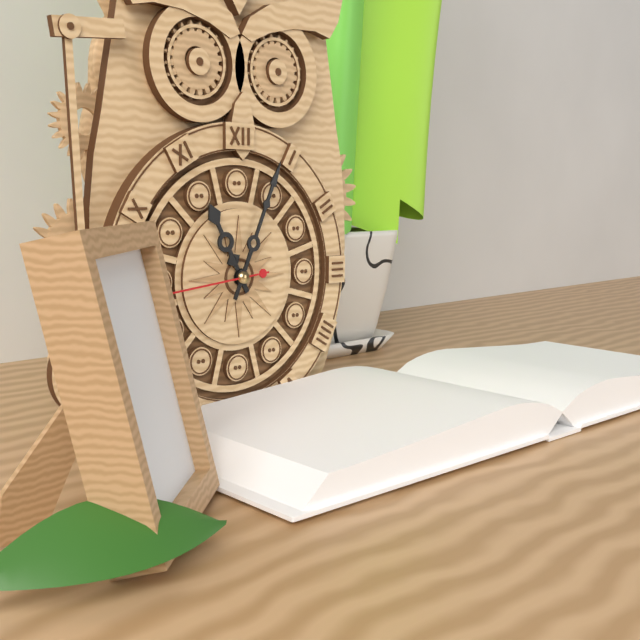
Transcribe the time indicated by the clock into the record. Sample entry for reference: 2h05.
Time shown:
11h04
